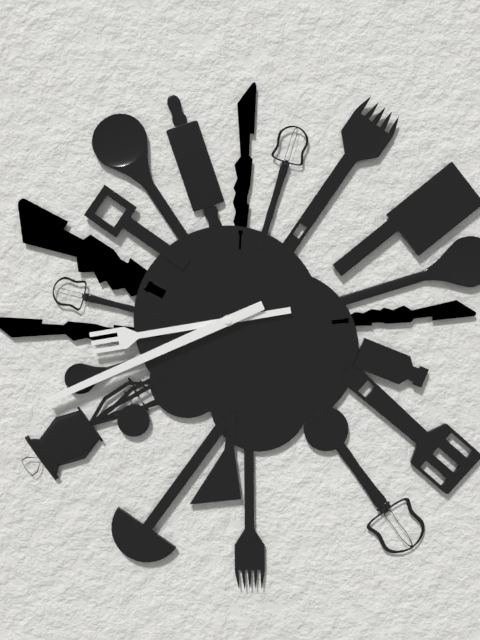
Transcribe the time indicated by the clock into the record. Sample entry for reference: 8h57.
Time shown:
8h41
